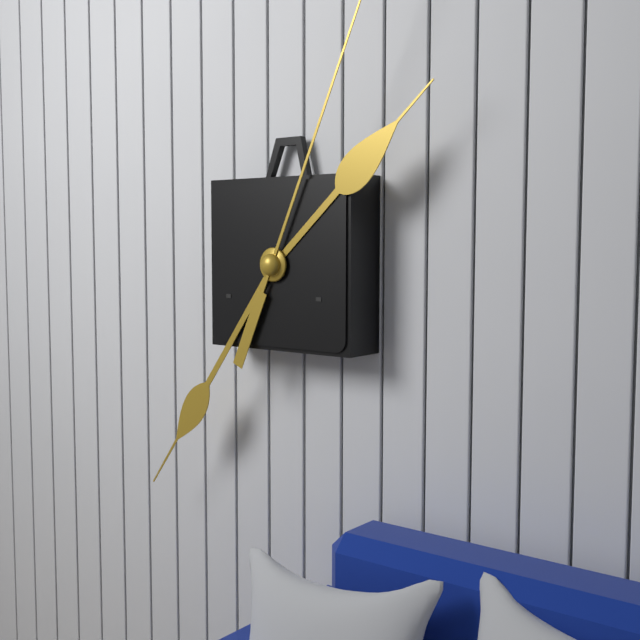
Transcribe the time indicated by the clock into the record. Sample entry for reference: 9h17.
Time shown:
1h36
